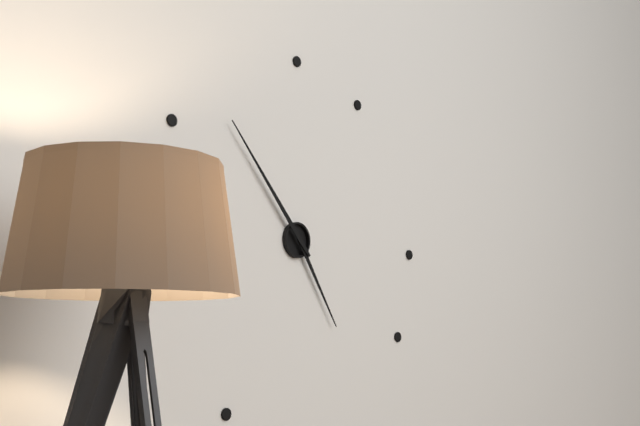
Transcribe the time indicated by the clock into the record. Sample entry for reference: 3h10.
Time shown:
4h53
